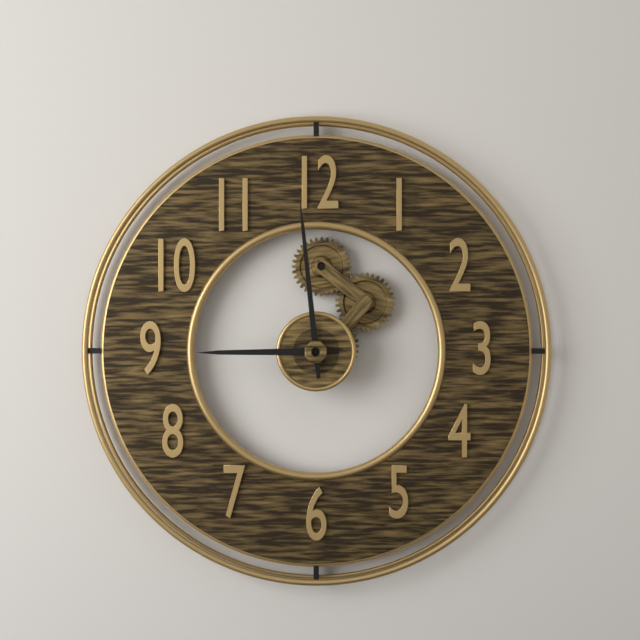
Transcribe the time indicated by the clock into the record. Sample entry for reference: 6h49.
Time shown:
8h59
